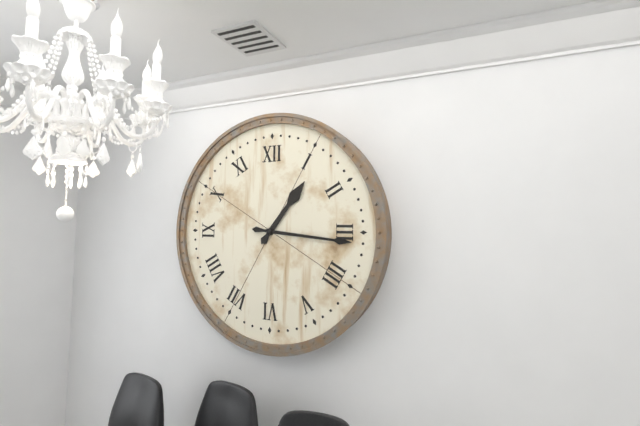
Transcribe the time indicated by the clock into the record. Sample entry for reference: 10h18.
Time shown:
1h16
